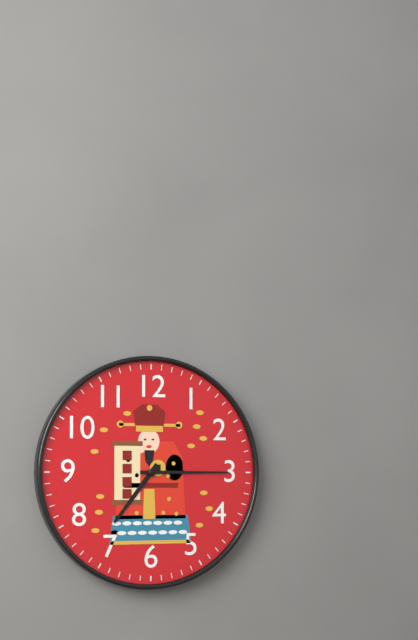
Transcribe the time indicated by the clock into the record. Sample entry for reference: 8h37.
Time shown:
7h15
